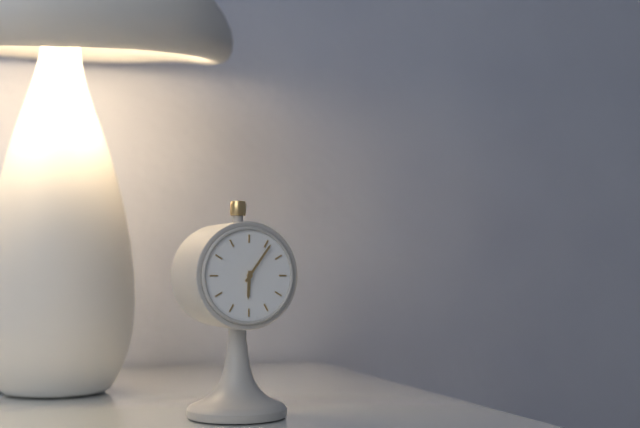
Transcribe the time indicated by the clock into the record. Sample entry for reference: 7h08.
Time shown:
6h06
